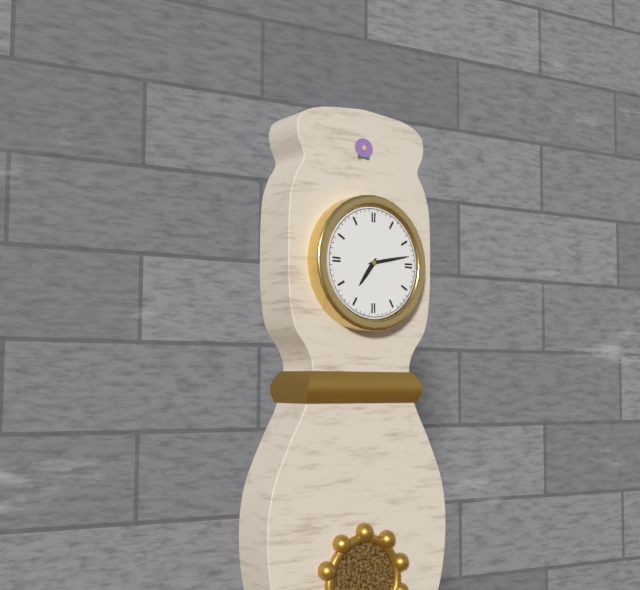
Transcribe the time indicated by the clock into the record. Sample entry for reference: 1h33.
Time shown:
7h13
